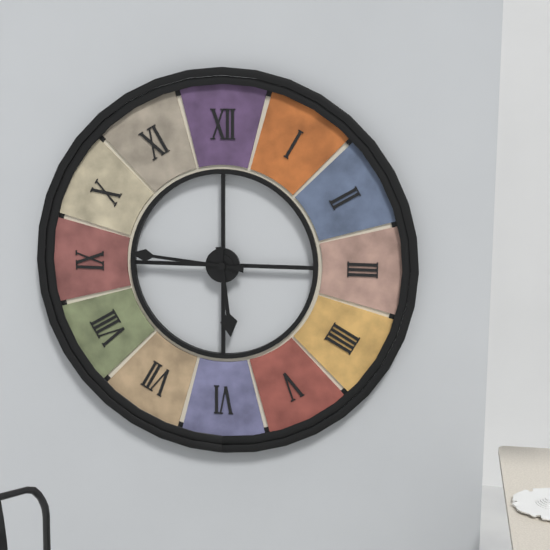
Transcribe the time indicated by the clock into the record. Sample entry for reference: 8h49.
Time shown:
5h46
